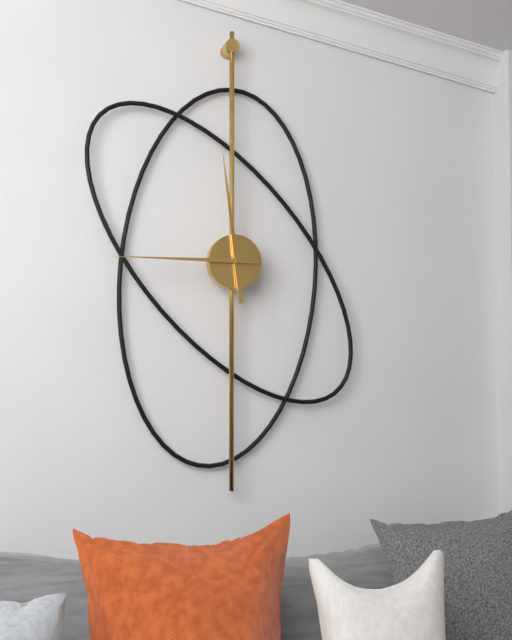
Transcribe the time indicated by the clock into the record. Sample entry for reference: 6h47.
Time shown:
11h45
